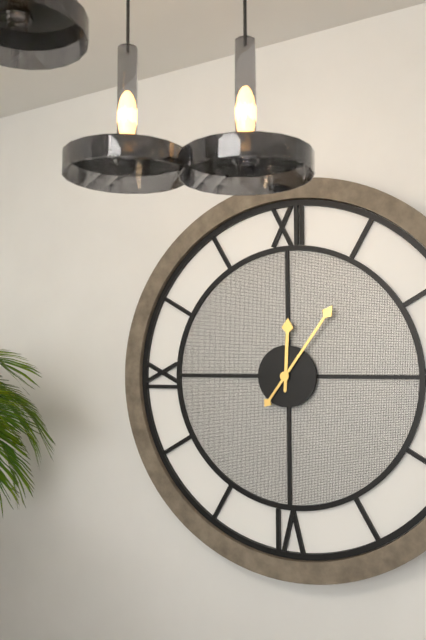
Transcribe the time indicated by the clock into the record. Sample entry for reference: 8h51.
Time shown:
12h06
